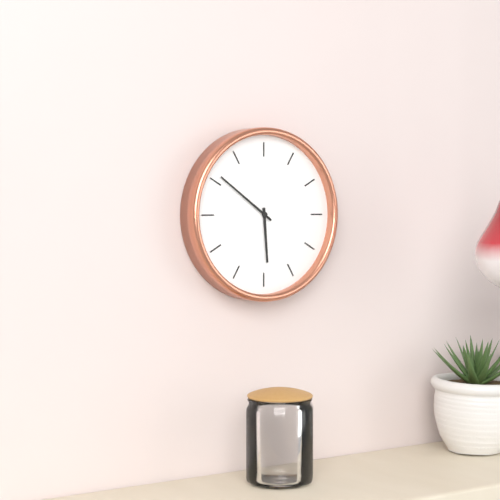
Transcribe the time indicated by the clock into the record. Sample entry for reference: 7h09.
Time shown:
5h51
